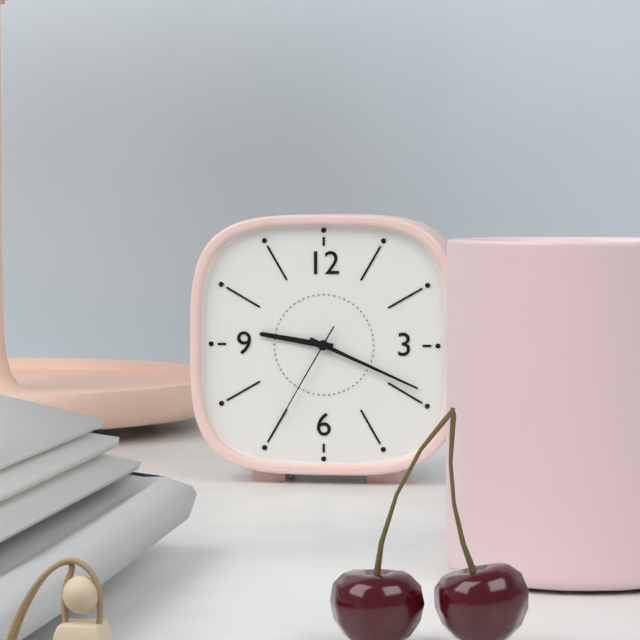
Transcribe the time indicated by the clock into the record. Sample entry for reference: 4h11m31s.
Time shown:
9h19m35s
